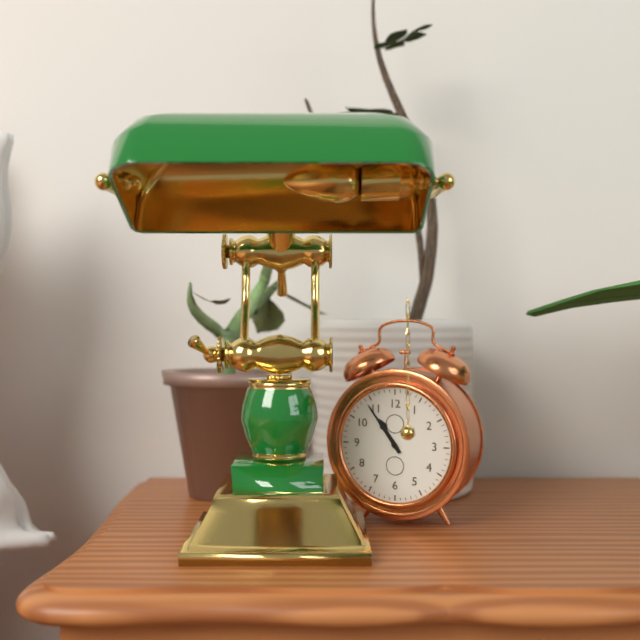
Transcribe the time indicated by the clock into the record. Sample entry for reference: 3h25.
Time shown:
10h54
